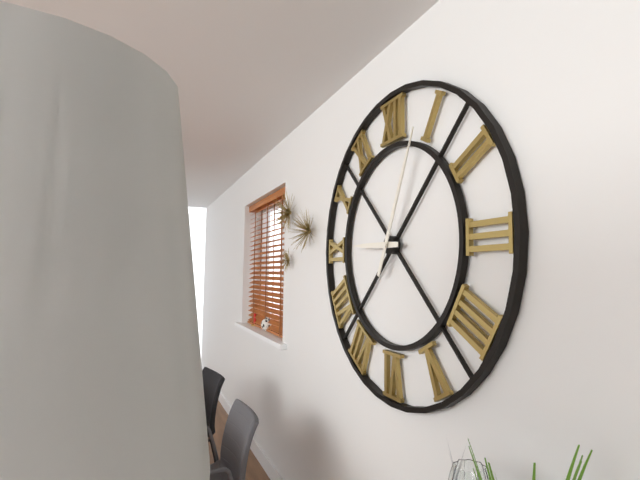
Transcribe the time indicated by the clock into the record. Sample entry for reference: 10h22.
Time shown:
9h04
